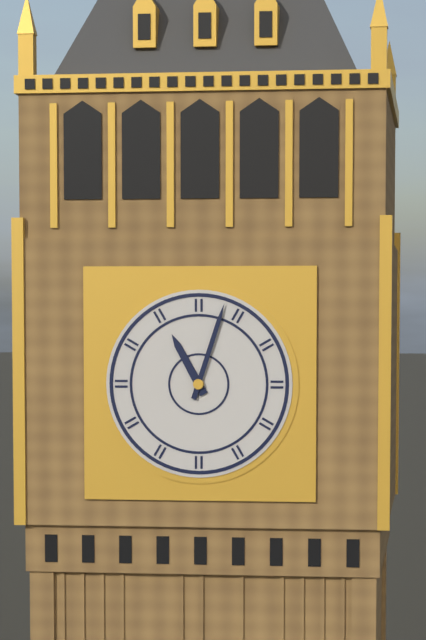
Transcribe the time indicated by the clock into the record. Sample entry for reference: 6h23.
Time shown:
11h03
